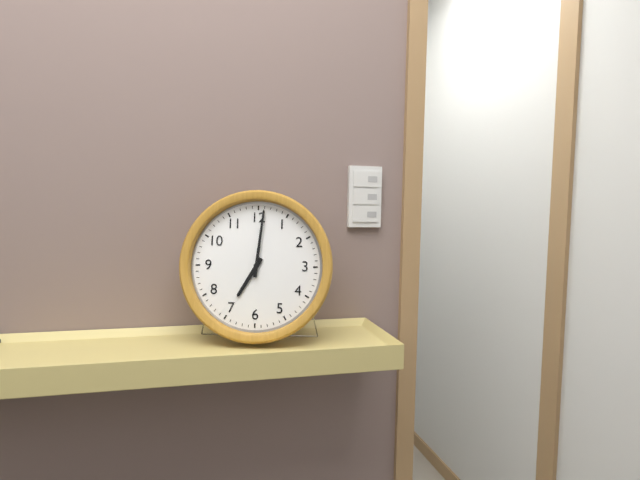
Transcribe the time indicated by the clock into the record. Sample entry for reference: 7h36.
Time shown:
7h01
